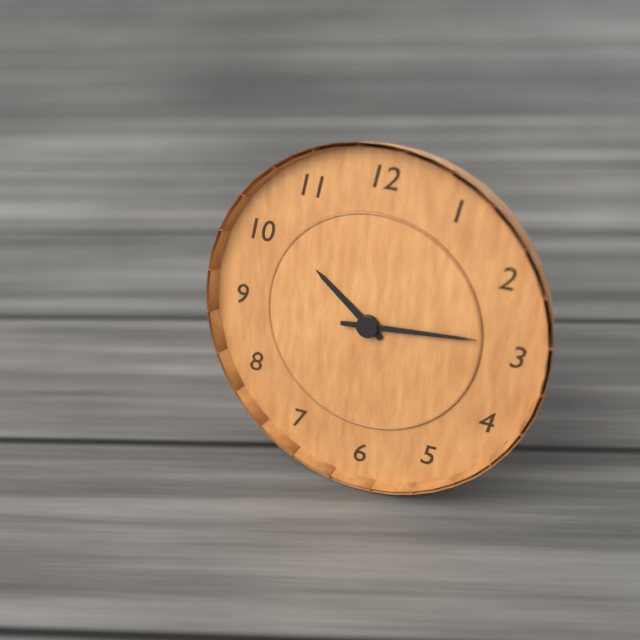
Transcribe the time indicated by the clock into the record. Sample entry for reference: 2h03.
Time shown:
10h14
